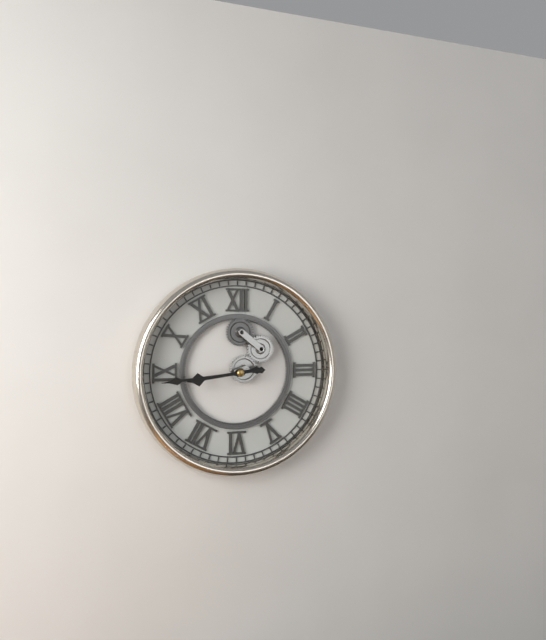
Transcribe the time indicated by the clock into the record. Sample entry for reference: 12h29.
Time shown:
8h44
